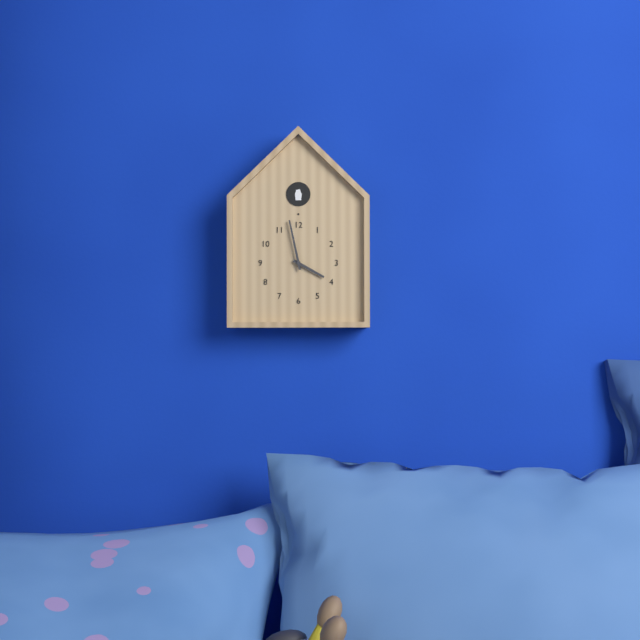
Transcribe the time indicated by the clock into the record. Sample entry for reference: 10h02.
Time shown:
3h58
